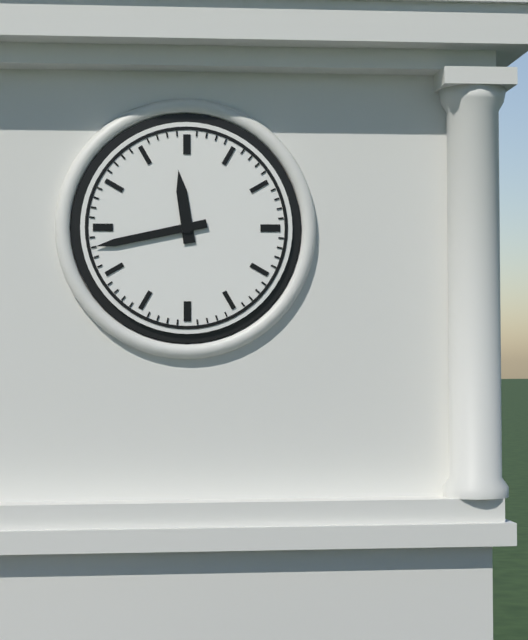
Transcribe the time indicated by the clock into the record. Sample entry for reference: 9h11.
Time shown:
11h43
